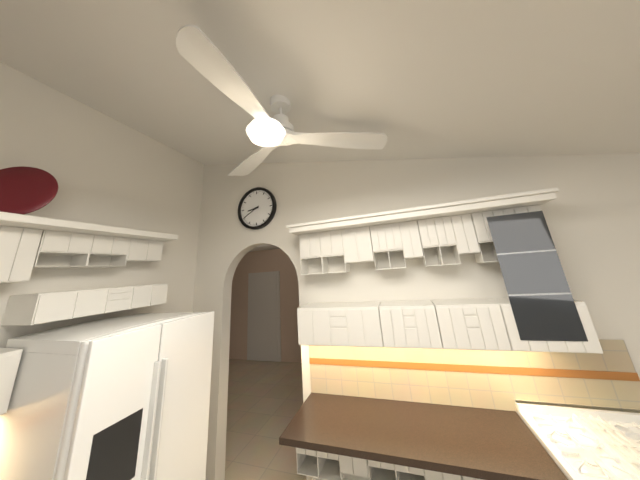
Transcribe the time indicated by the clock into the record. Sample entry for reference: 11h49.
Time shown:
8h40
